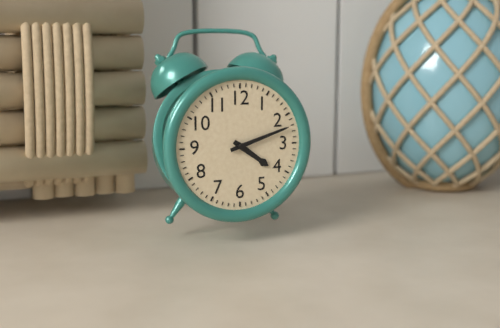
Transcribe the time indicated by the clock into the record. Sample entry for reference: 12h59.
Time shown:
4h12
